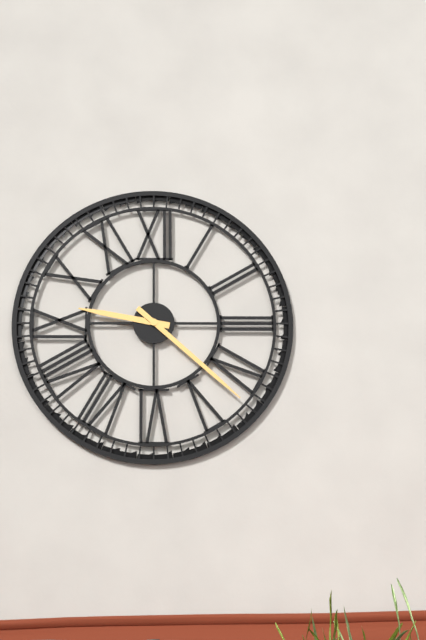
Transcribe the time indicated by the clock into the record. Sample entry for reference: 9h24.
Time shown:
9h22
